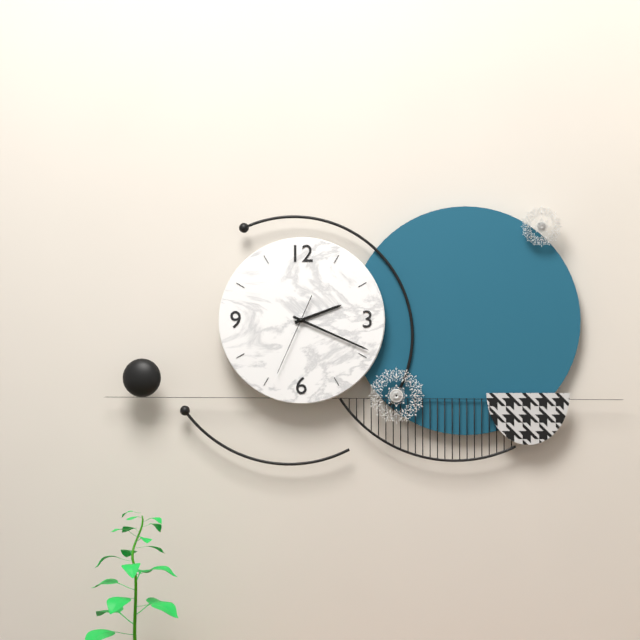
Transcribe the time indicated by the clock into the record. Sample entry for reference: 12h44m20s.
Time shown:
2h19m34s
